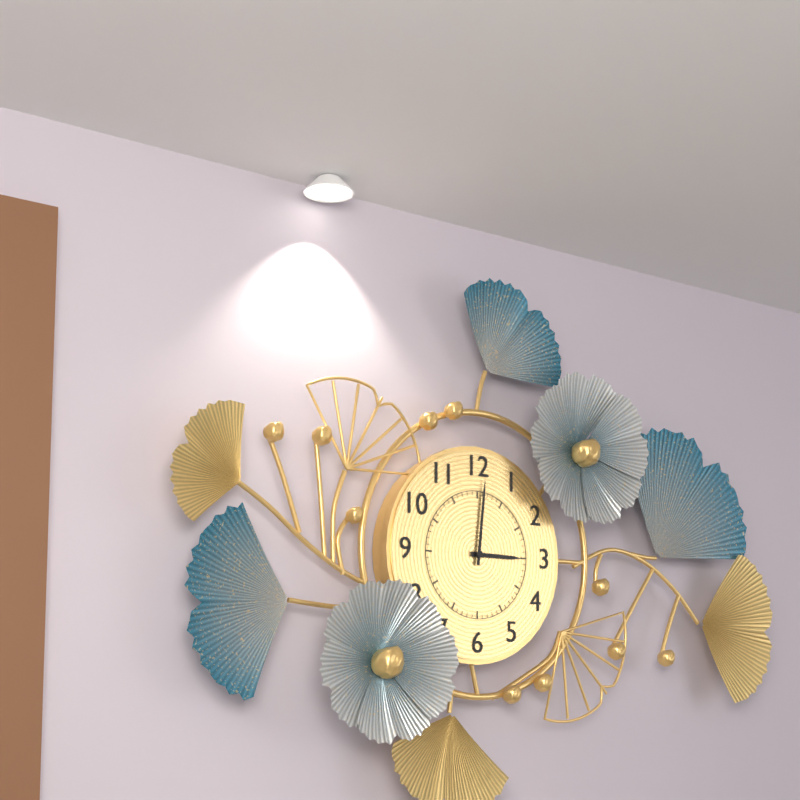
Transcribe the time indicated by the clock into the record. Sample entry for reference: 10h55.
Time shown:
3h01
